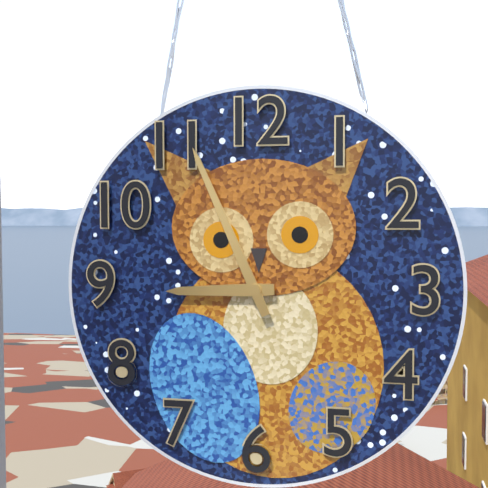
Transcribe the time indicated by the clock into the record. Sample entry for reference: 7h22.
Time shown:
8h56
